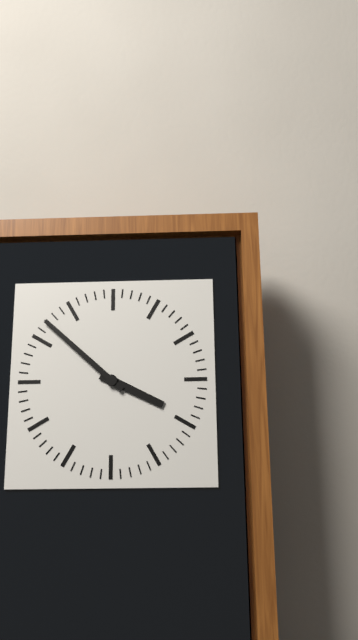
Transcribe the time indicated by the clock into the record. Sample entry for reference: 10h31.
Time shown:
3h52
